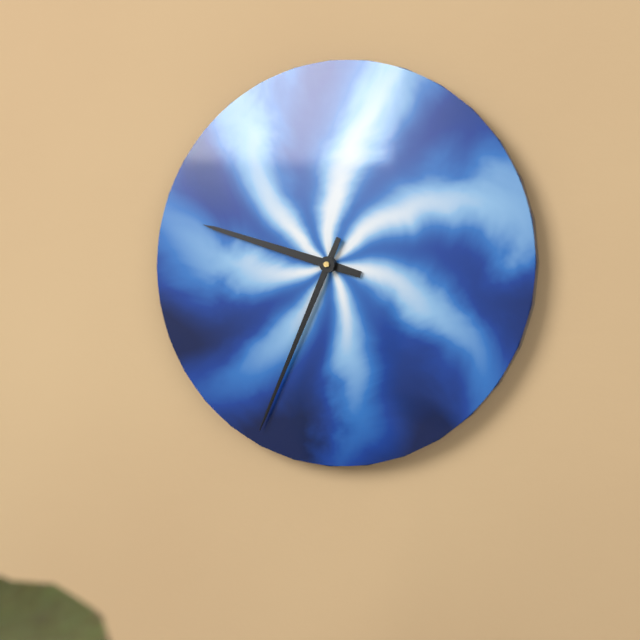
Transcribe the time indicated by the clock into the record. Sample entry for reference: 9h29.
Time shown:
9h34
